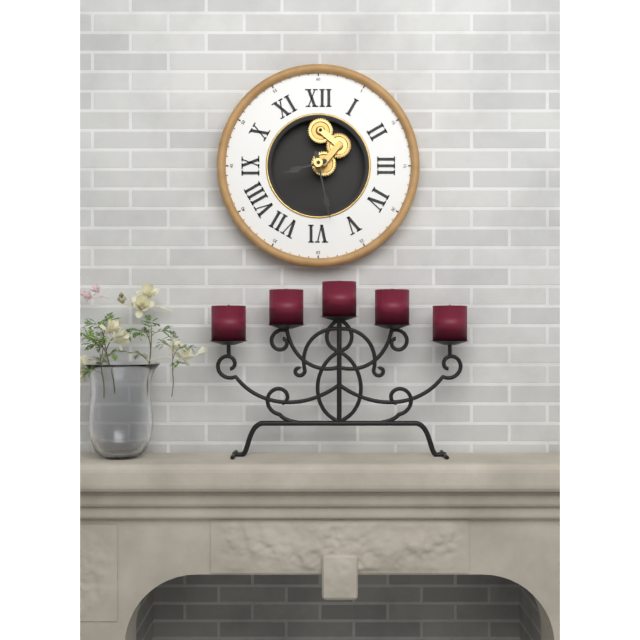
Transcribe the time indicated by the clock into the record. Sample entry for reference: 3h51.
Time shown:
8h28
